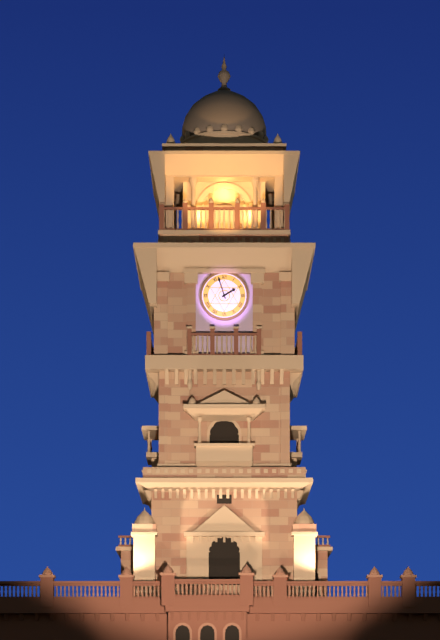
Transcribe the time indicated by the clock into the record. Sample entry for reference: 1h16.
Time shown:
1h57
